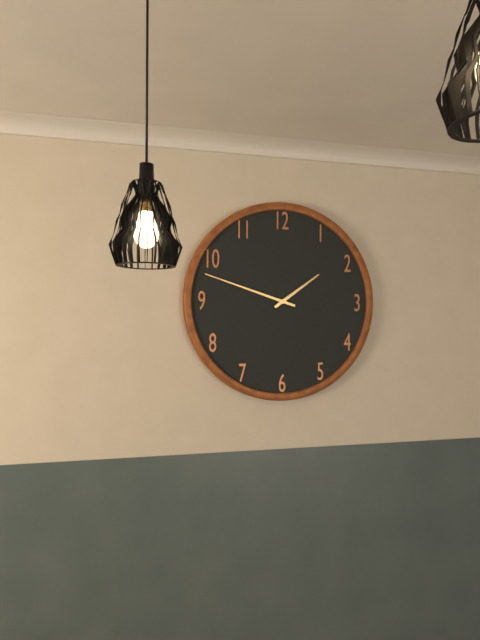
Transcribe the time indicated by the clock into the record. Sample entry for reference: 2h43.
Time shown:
1h48
